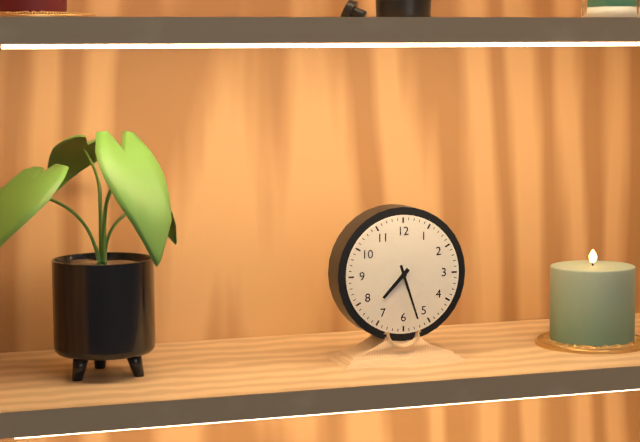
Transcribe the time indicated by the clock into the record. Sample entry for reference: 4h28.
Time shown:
7h27
